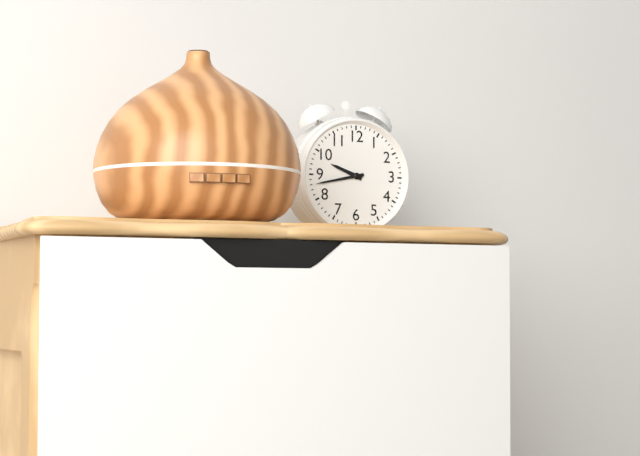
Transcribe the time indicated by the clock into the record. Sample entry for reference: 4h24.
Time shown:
9h43
